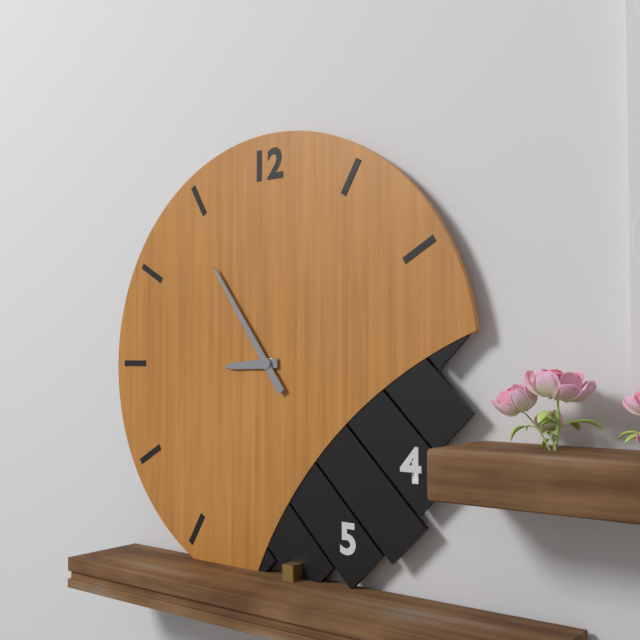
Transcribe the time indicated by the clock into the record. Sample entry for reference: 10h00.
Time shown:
8h54
